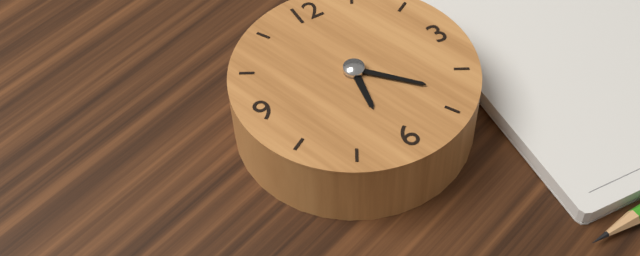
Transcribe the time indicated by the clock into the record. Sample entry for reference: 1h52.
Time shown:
6h23
